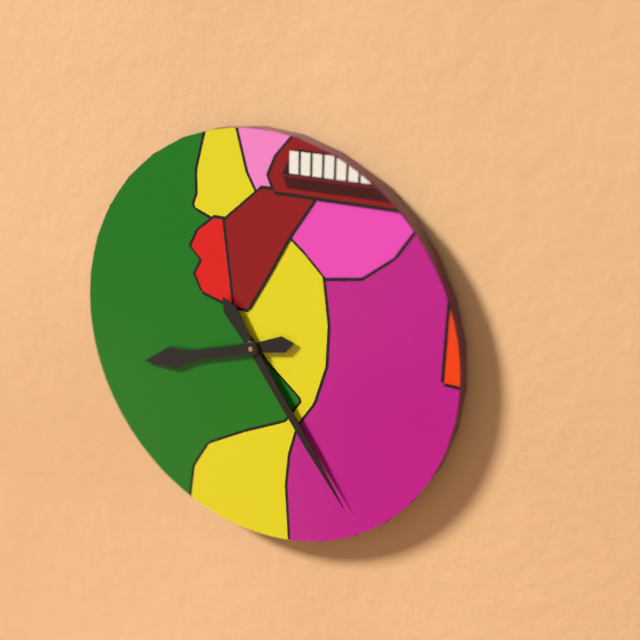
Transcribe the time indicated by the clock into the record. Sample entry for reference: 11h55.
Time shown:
8h24
